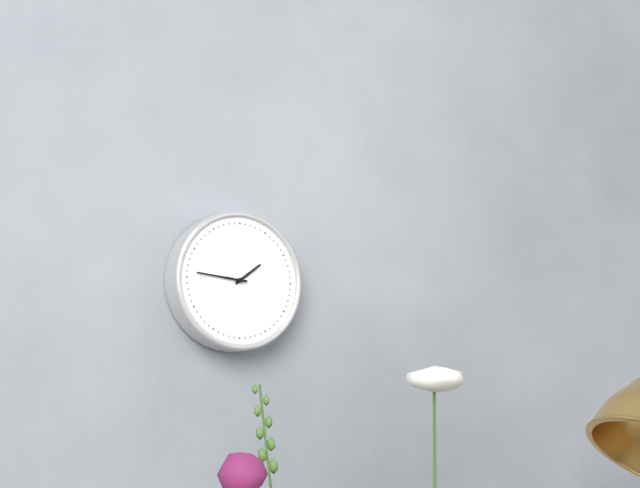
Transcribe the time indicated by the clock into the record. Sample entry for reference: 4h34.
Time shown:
1h46
